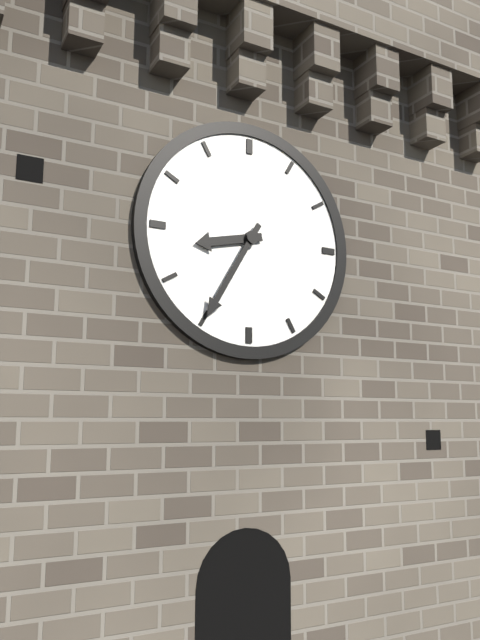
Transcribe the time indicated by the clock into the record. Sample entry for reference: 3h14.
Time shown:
8h35
